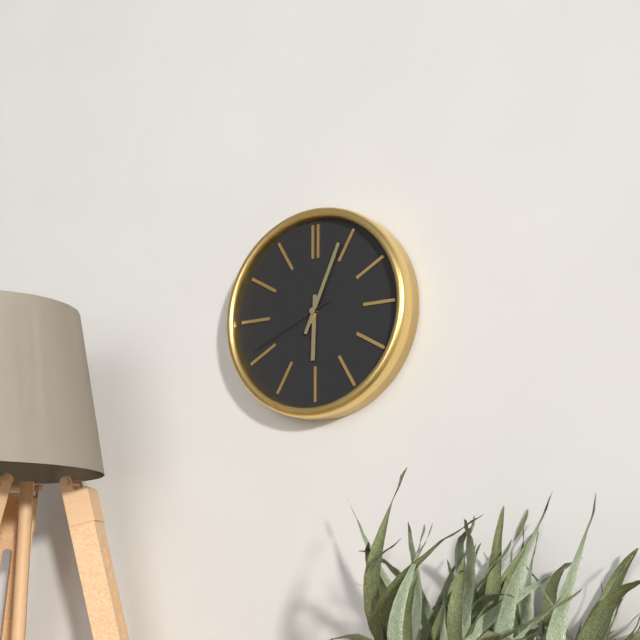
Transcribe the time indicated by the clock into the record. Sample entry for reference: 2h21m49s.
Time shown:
6h04m41s
